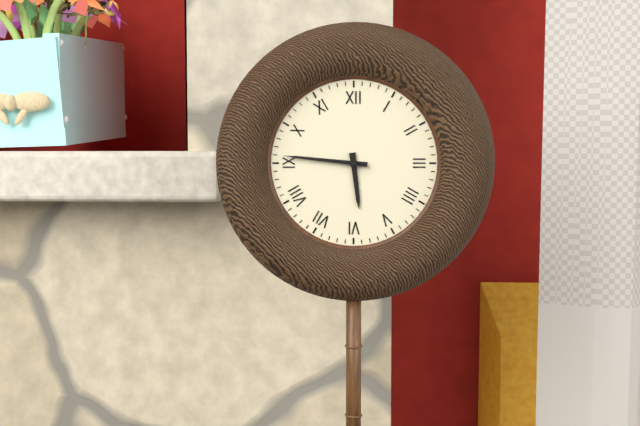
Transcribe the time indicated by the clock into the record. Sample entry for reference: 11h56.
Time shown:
5h46
